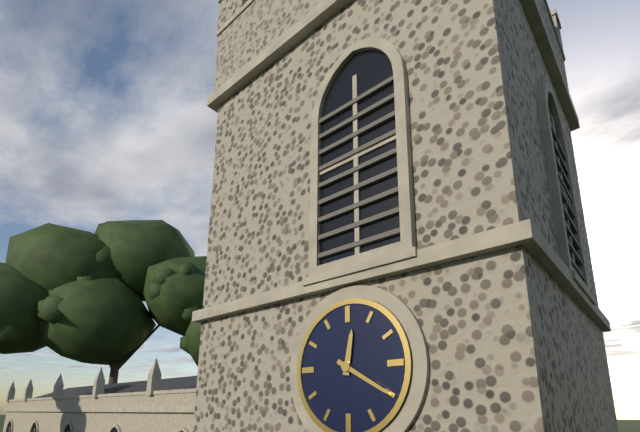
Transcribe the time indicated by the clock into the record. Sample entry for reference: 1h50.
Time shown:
12h20
